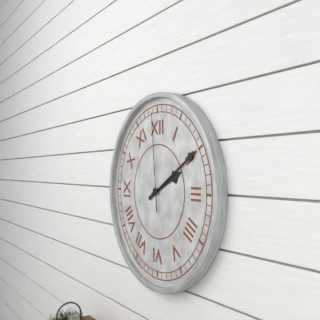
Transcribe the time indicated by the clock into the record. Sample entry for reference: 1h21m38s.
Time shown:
2h10m59s
